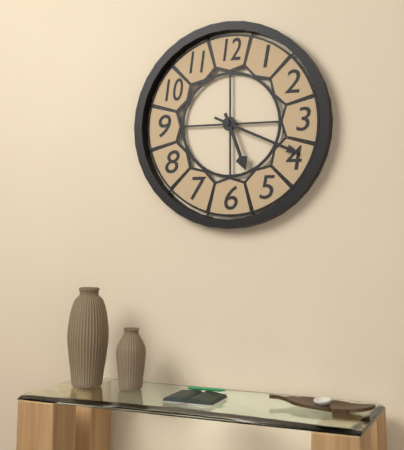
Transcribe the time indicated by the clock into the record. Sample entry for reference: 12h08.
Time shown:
5h19
